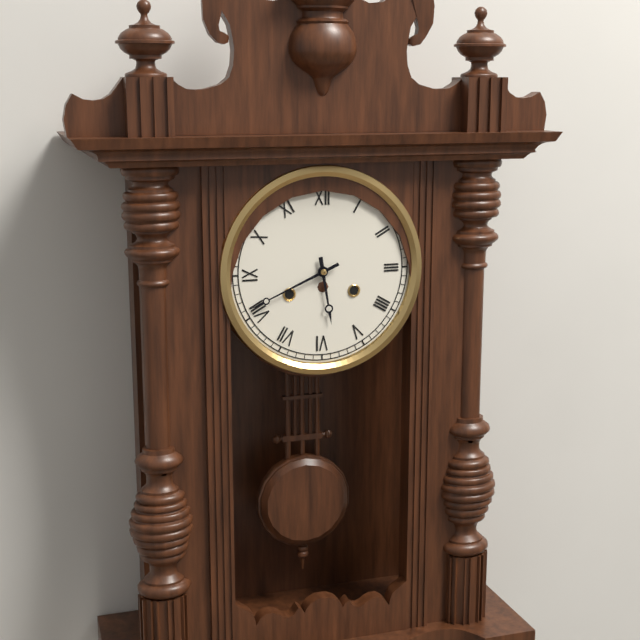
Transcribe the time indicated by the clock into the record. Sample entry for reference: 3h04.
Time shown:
5h41
